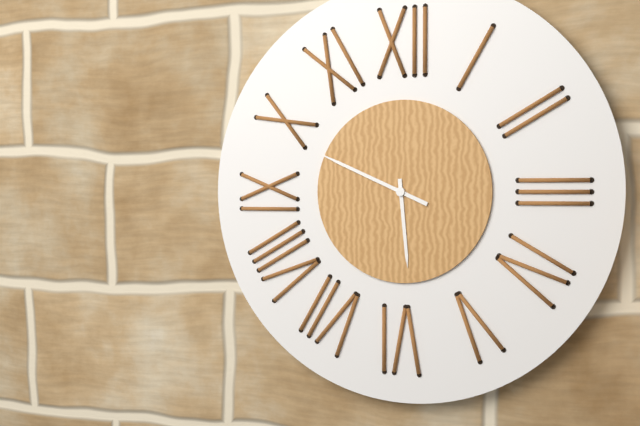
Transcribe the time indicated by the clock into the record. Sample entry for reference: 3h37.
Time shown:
5h49
